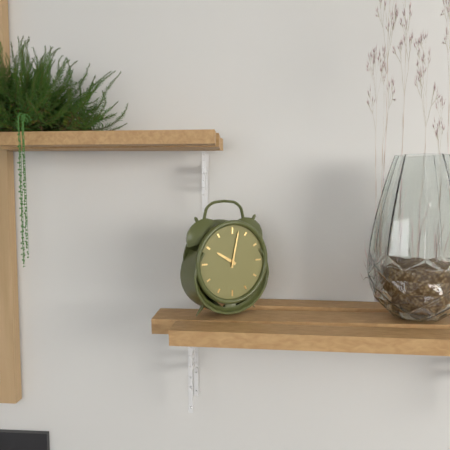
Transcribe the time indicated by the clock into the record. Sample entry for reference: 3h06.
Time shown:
10h02
